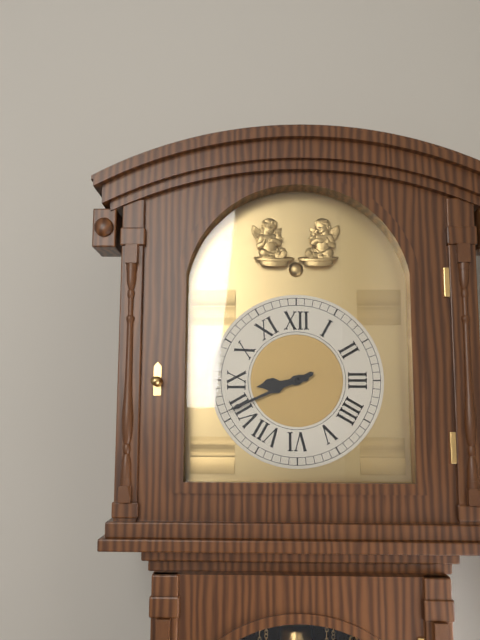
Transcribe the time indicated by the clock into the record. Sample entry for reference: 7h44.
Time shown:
8h41
